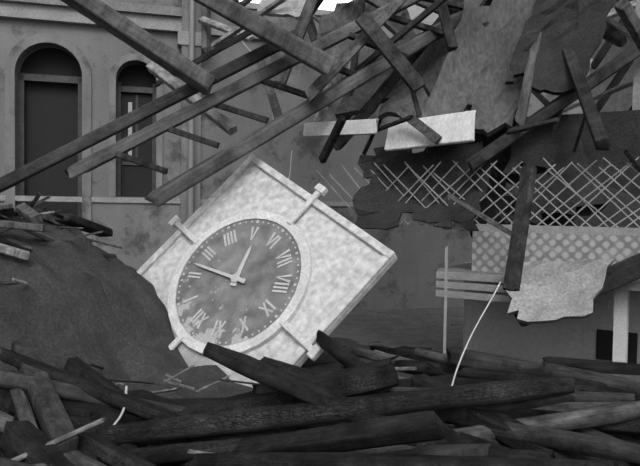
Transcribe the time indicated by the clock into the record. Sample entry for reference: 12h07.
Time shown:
5h12
